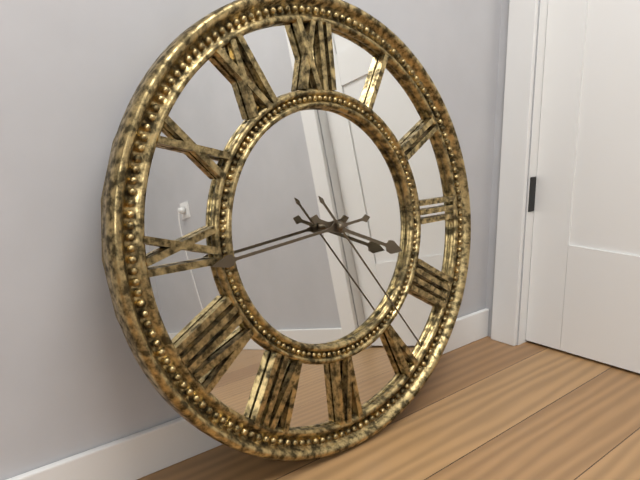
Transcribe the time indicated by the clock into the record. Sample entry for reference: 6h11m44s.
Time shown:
3h44m24s
